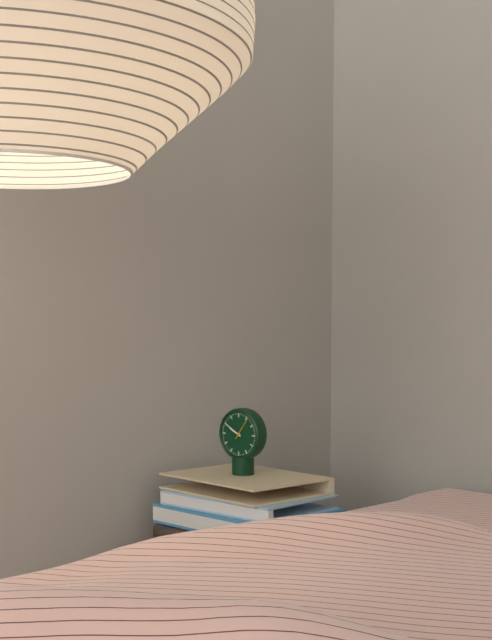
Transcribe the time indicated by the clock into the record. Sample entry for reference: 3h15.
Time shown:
9h50
